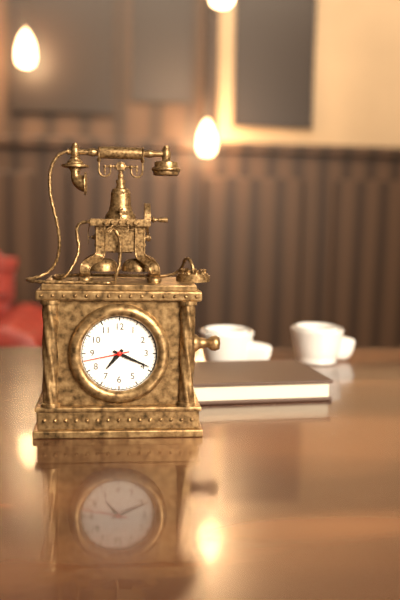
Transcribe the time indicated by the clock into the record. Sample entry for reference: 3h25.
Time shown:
7h19
